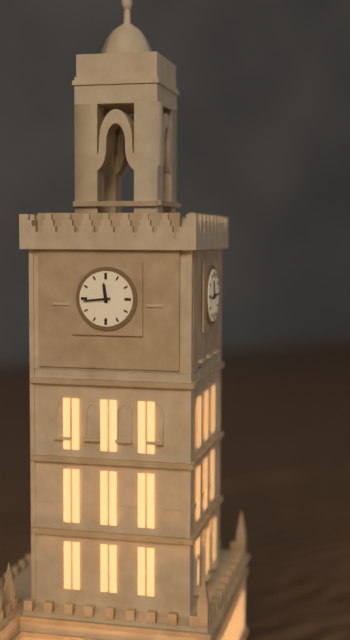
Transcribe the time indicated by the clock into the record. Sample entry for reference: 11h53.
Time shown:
11h44
